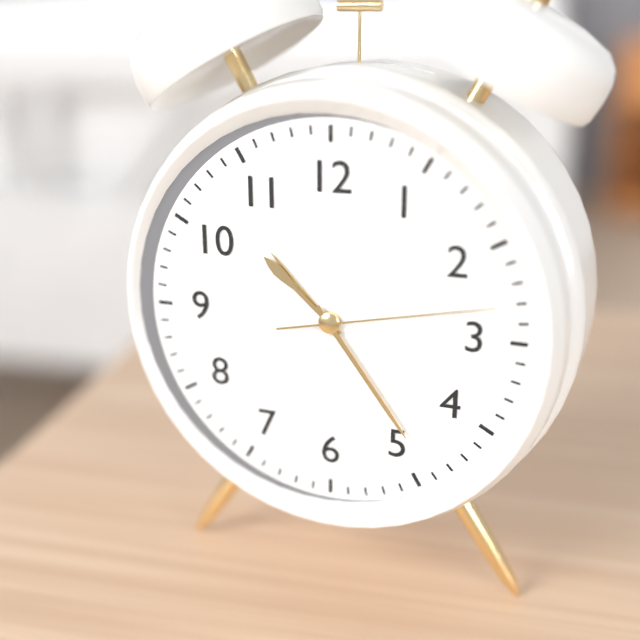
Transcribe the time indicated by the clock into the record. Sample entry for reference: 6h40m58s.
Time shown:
10h24m13s
